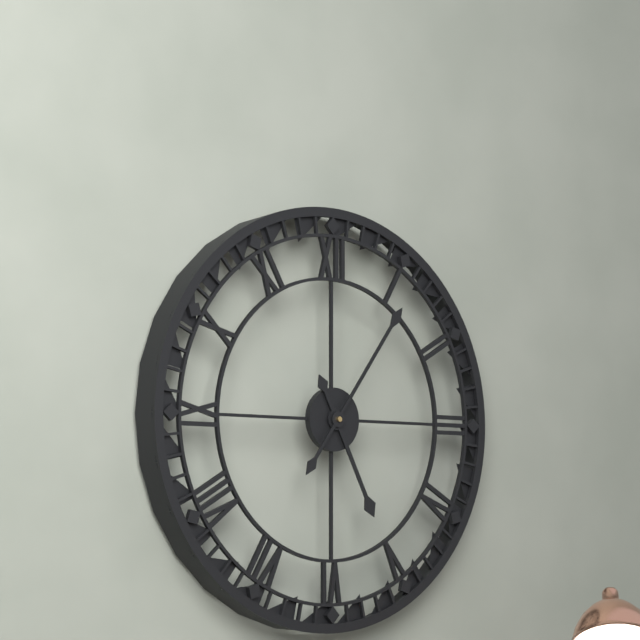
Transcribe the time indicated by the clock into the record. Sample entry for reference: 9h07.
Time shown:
5h06
